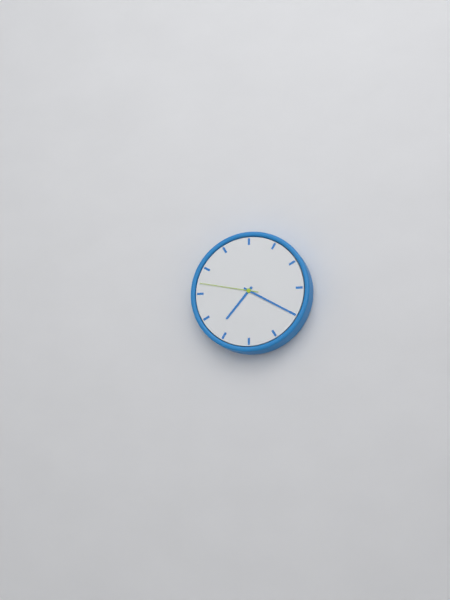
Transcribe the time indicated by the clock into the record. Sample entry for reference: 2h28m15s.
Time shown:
7h20m47s
